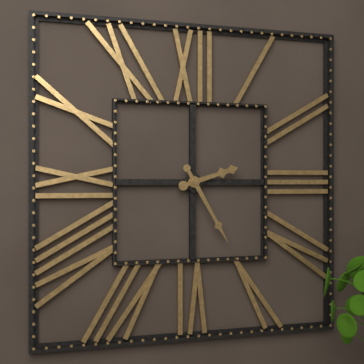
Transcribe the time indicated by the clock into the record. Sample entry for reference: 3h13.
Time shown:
2h25
